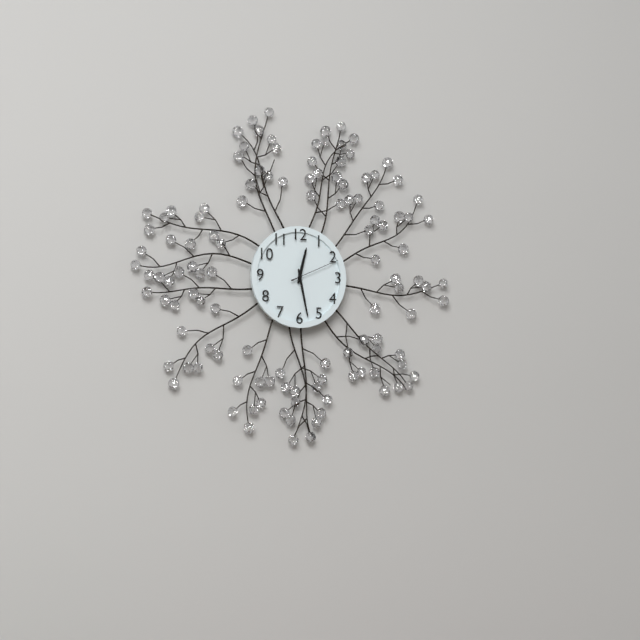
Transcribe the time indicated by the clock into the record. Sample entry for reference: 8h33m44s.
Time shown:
12h28m11s
